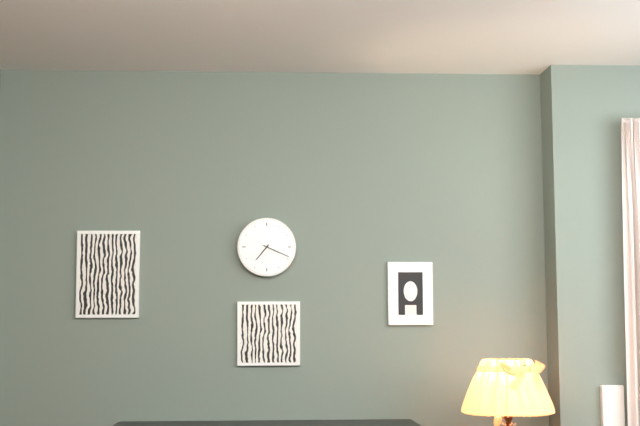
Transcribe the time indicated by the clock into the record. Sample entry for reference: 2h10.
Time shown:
7h19
